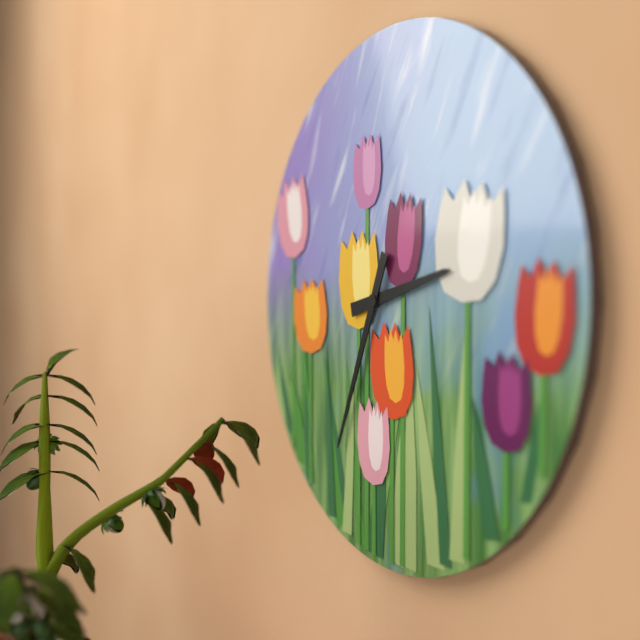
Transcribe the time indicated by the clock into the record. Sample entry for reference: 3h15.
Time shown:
2h34
